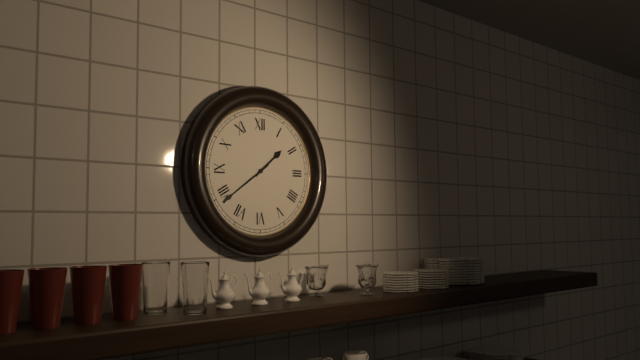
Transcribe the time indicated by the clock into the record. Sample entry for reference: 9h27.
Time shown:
1h39
